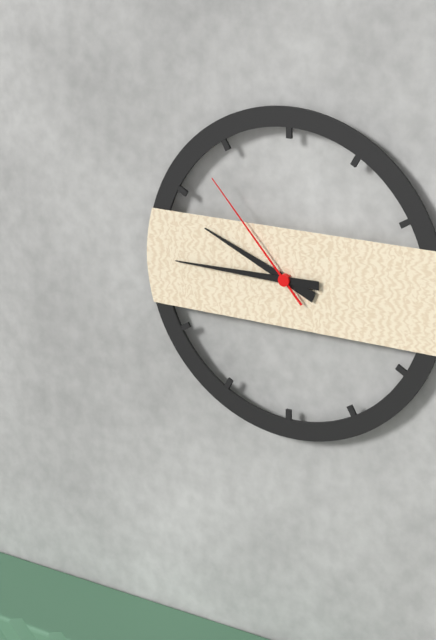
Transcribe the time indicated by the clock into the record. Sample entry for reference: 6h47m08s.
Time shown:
9h45m53s
